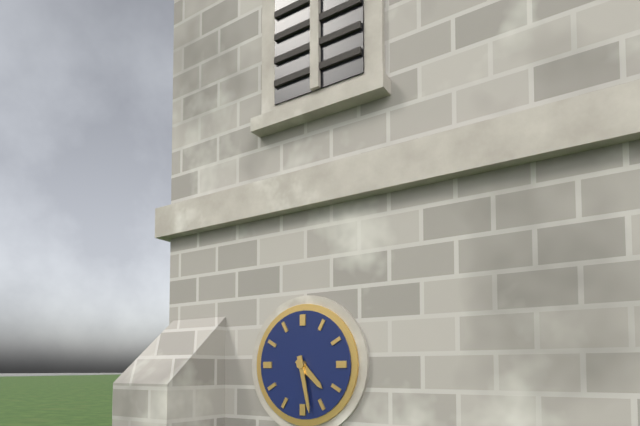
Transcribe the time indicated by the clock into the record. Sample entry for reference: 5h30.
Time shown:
4h28
